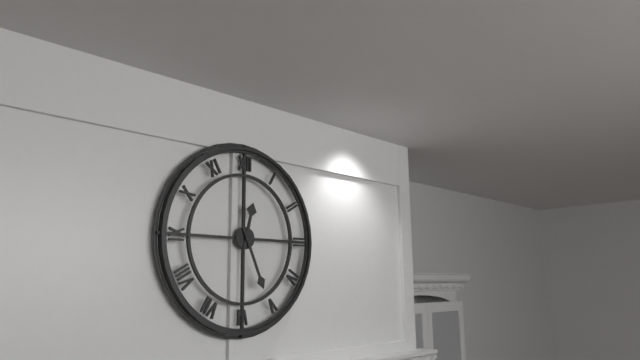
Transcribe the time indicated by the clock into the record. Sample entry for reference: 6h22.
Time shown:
12h26
